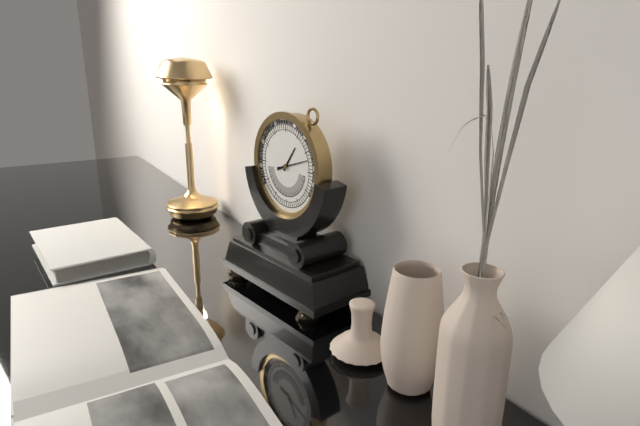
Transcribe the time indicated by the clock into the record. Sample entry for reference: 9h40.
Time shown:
1h12
